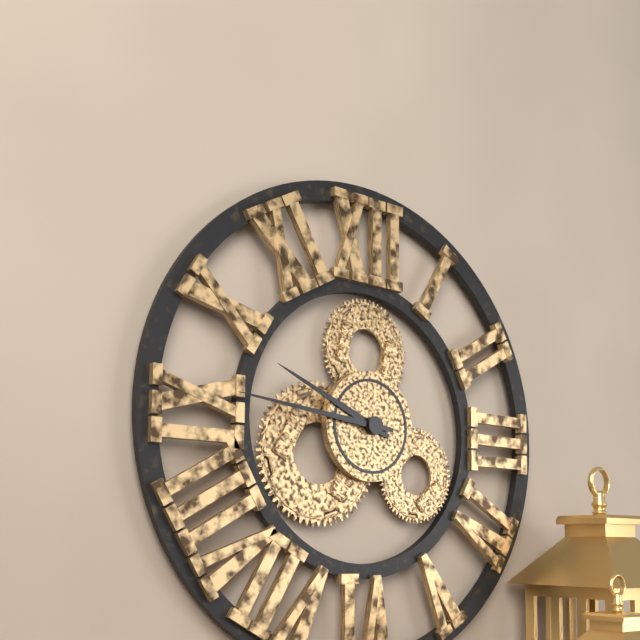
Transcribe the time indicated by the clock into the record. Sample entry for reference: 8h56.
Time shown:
9h46
